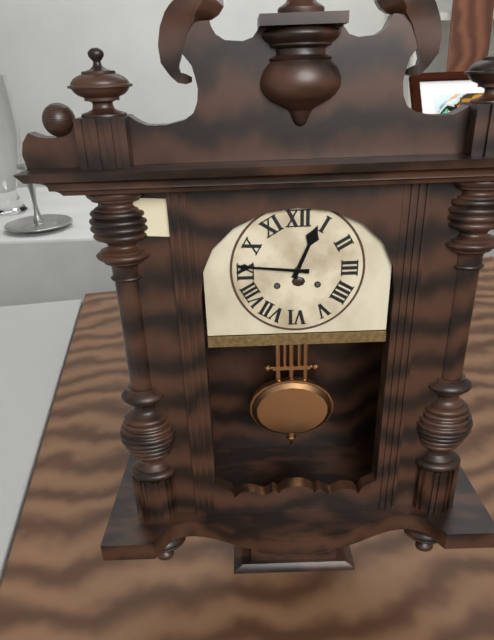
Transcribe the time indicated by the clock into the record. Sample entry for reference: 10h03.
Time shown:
12h46
